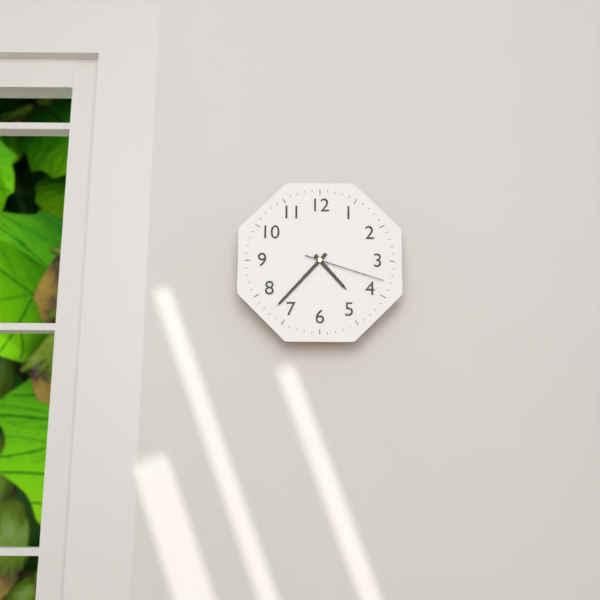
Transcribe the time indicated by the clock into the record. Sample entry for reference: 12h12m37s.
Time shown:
4h37m18s
